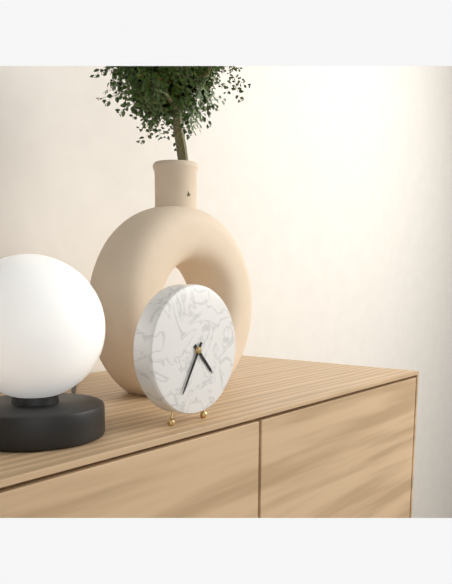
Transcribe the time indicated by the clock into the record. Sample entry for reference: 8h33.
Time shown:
4h35
